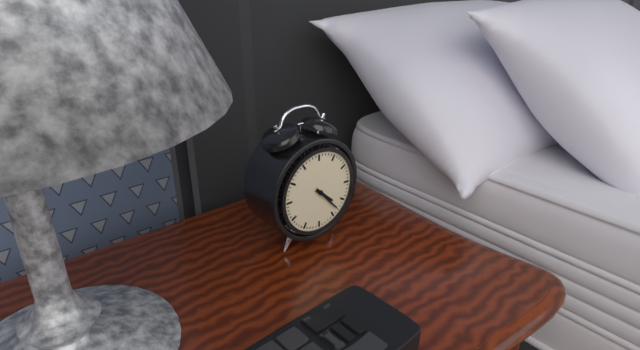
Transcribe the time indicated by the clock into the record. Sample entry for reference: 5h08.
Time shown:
4h23
